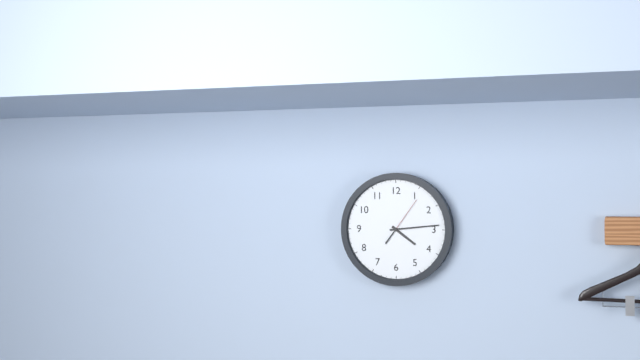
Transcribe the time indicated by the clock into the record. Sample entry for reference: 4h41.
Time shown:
4h14
